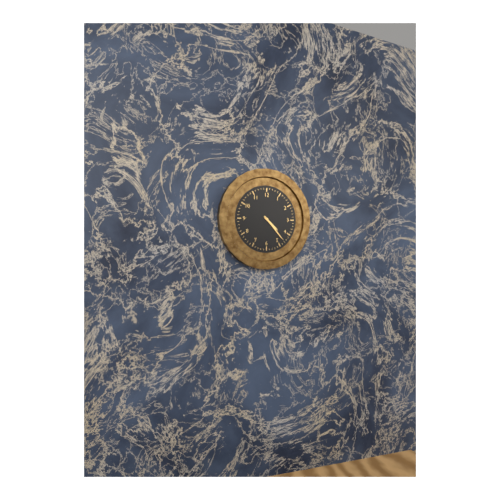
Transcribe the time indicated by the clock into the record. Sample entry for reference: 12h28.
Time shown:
4h23
